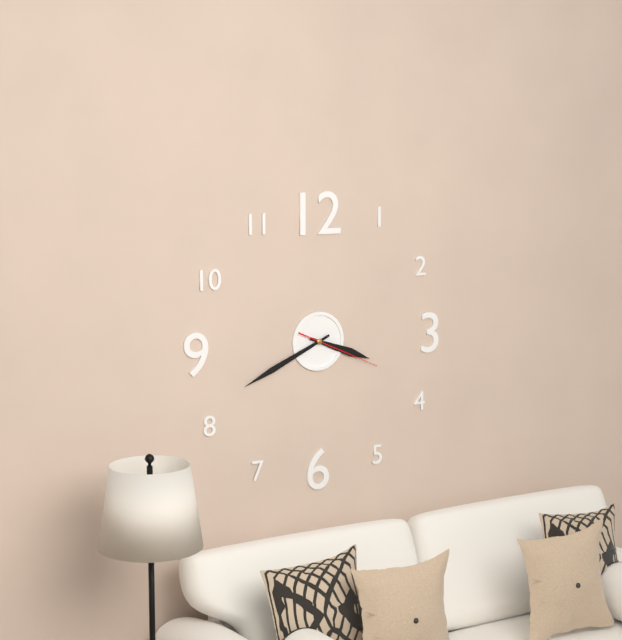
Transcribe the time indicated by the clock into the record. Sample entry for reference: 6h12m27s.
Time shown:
3h41m19s
